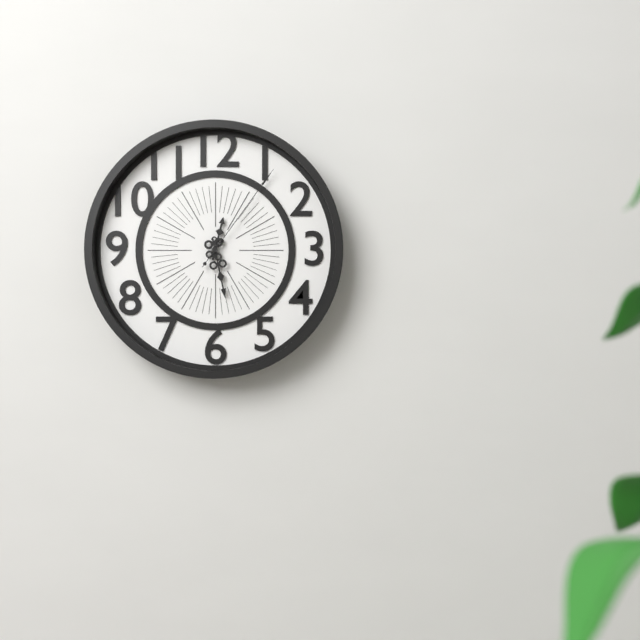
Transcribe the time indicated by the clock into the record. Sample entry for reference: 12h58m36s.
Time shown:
12h28m06s
